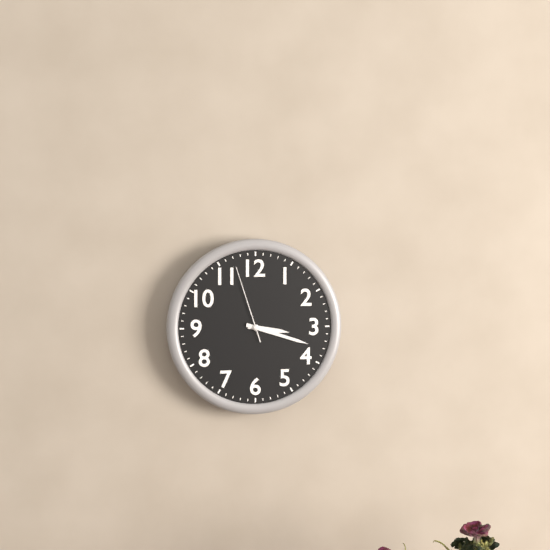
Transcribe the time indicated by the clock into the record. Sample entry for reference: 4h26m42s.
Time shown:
3h18m57s
